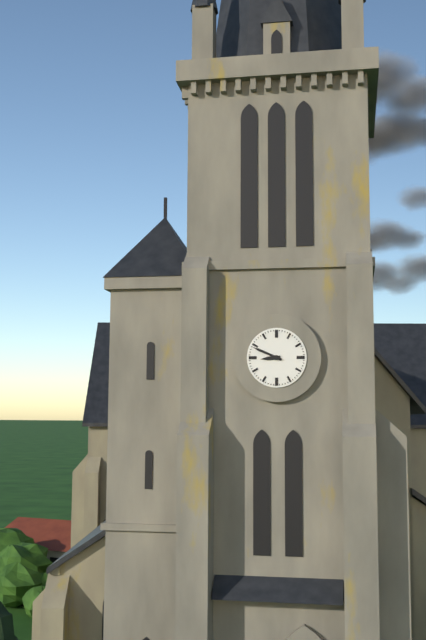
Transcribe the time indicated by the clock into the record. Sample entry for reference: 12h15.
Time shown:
8h49
